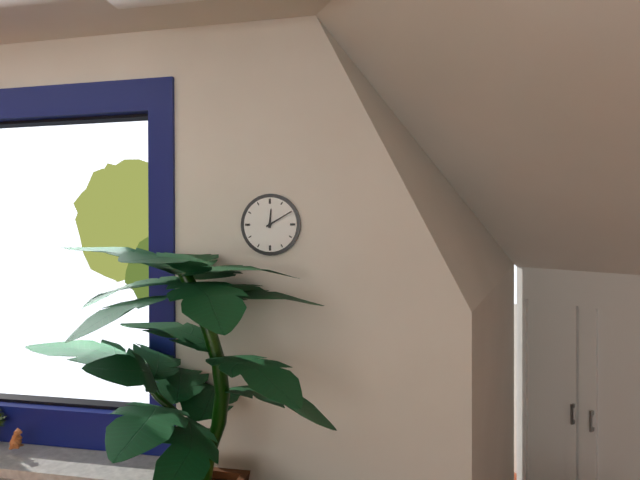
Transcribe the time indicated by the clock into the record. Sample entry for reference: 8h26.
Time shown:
12h10
